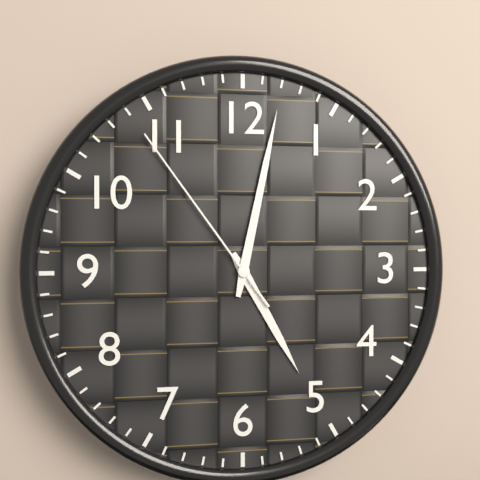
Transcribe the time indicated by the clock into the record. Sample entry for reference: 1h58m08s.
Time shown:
5h02m54s
